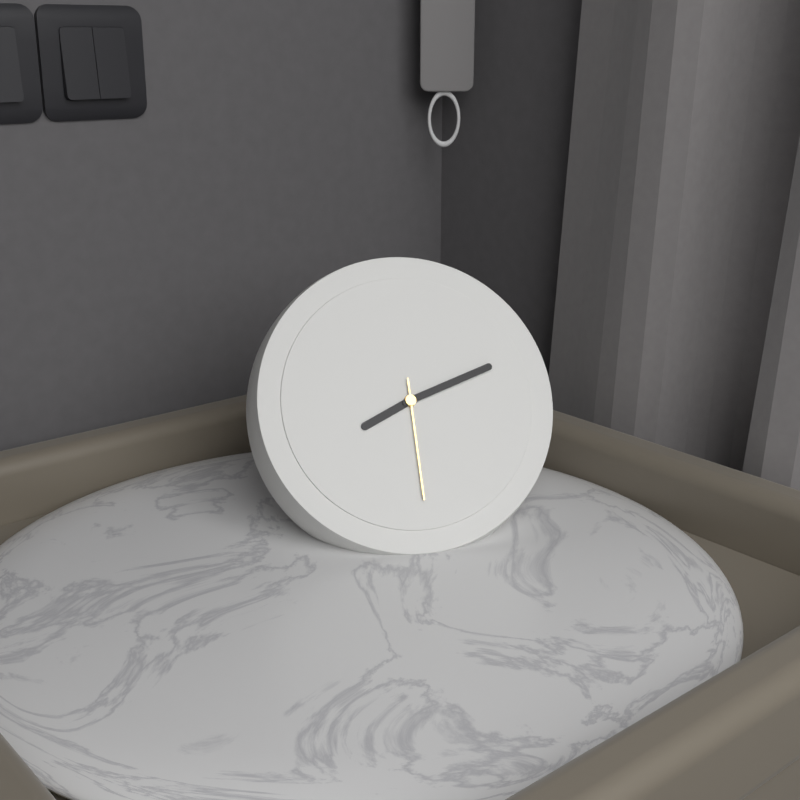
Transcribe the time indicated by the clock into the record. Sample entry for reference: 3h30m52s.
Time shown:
8h12m30s
